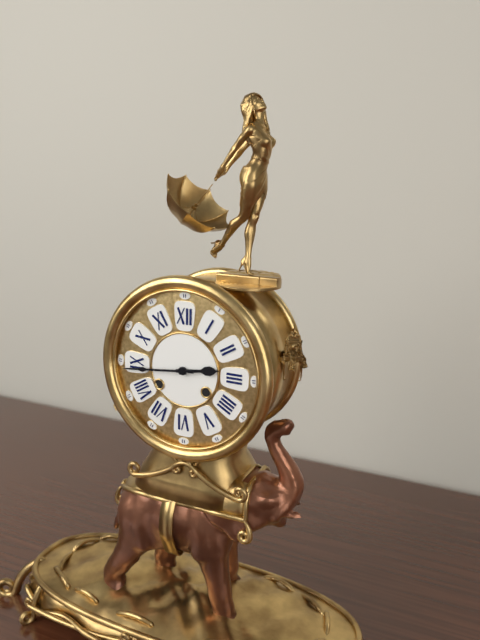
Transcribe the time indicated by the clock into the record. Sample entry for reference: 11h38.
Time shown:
2h44
